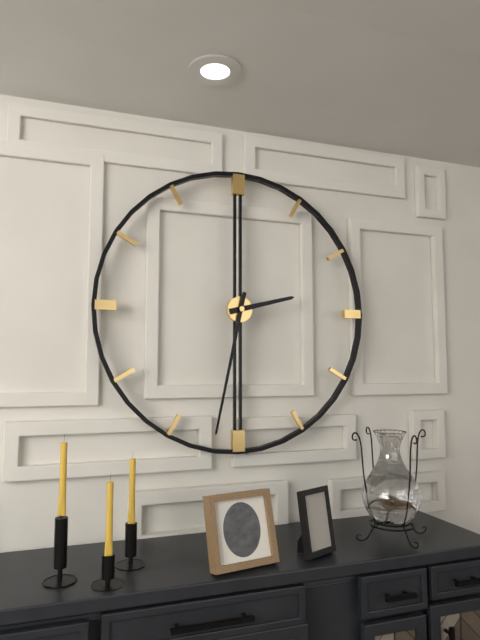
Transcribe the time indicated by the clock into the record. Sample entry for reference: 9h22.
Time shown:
2h32
